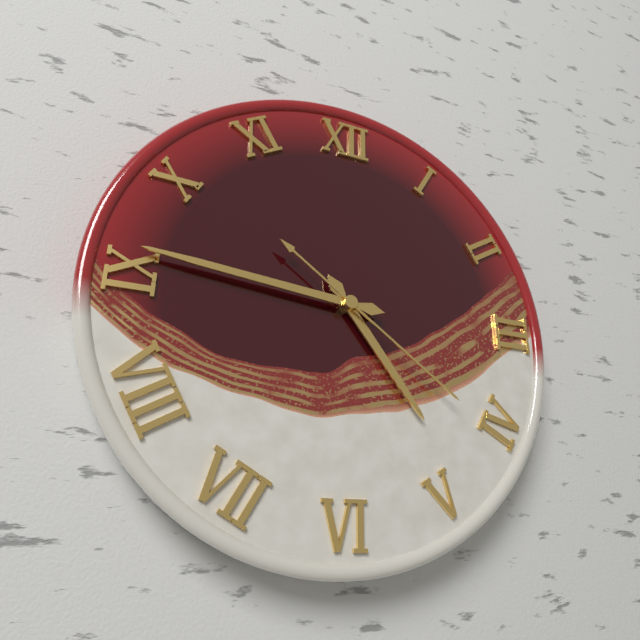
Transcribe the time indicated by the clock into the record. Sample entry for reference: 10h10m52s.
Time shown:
4h46m21s
